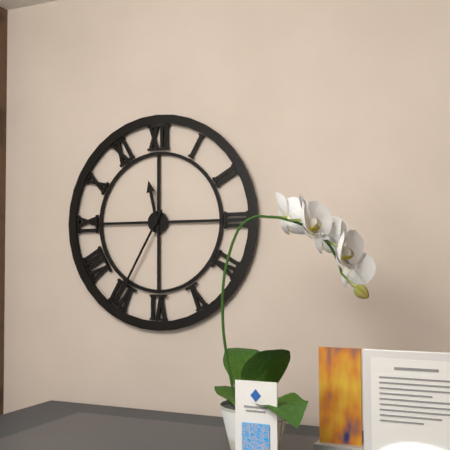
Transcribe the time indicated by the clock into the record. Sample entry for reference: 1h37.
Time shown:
11h35
